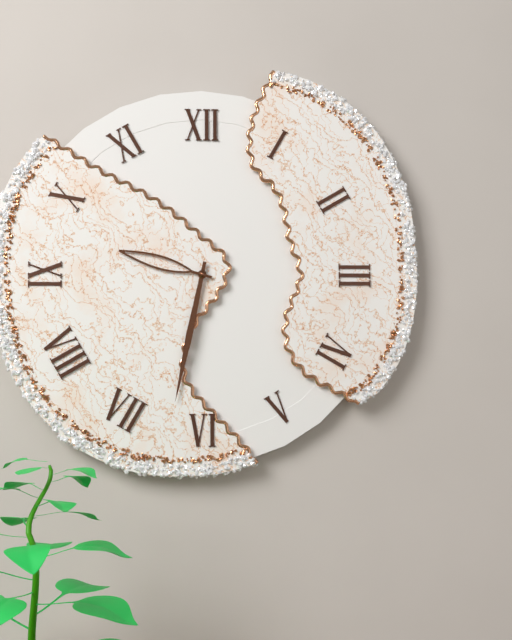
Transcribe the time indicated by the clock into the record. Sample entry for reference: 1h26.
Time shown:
9h32
